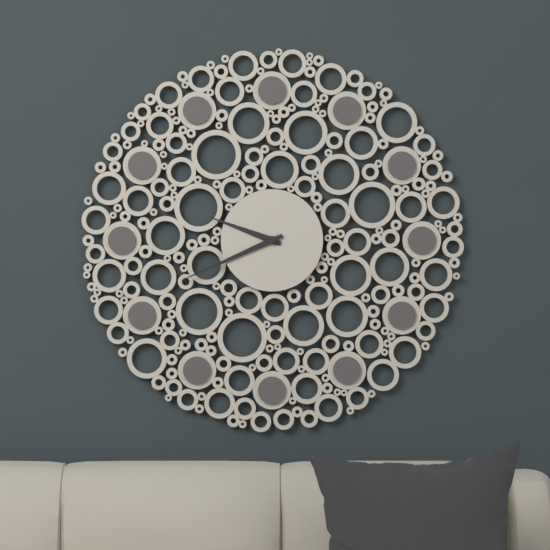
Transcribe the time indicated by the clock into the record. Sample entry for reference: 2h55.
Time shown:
9h41
